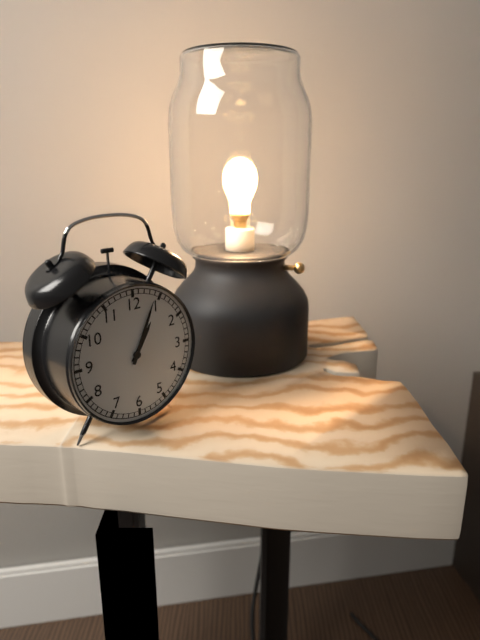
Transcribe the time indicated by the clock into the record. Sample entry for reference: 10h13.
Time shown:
1h04
